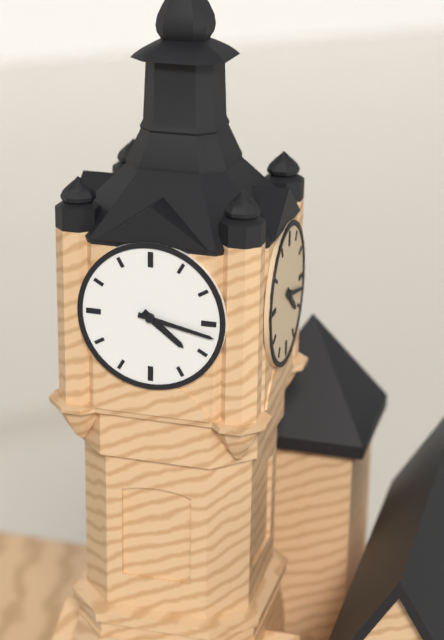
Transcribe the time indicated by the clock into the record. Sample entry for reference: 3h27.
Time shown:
4h17
